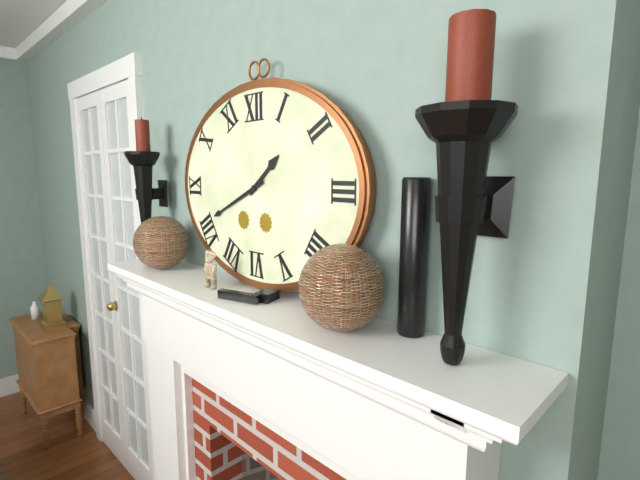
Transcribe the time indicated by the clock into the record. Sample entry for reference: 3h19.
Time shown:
1h41
